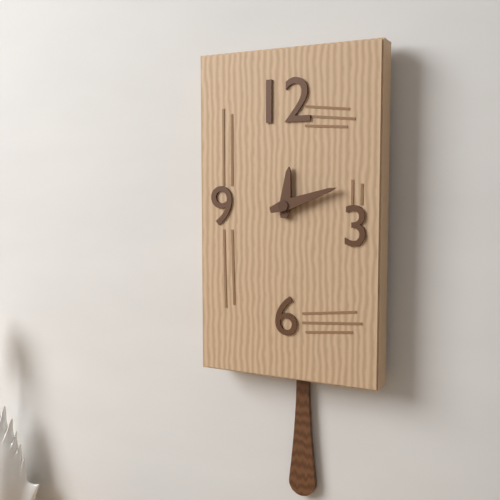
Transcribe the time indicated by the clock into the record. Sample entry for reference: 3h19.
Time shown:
12h12
